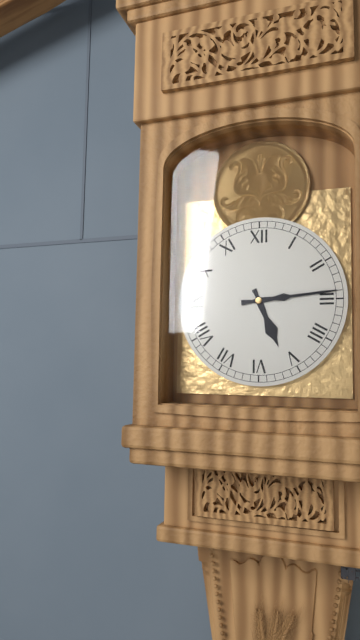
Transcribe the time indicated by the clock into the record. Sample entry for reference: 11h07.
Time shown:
5h14
